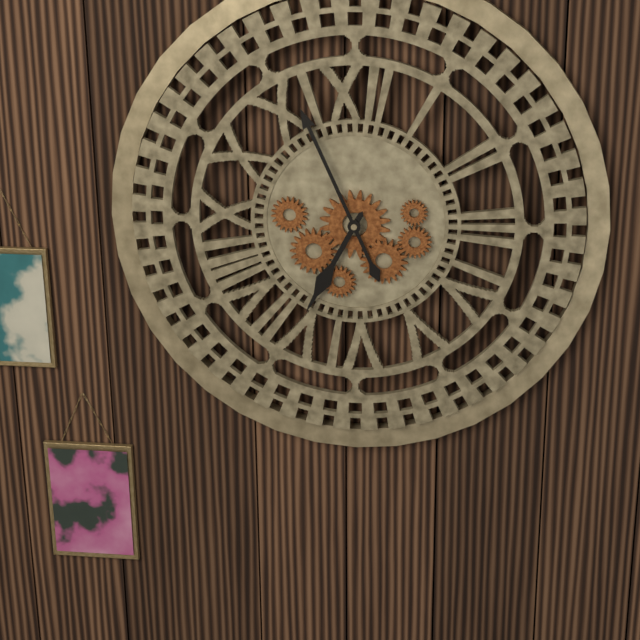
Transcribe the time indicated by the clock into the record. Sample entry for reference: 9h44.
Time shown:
6h56
